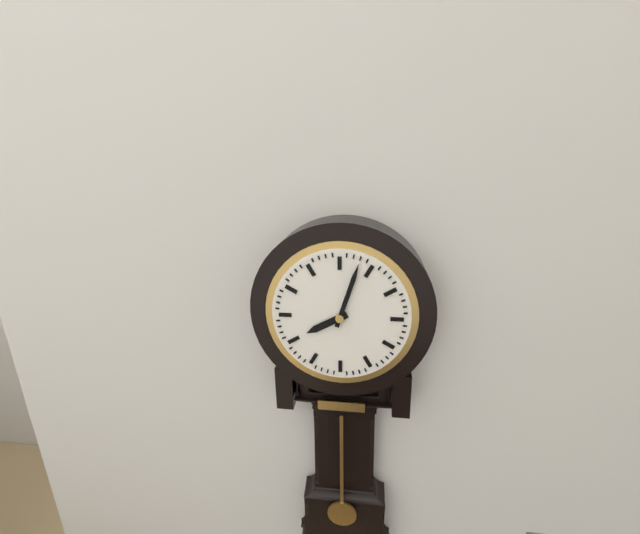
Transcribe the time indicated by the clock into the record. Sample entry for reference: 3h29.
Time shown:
8h03
